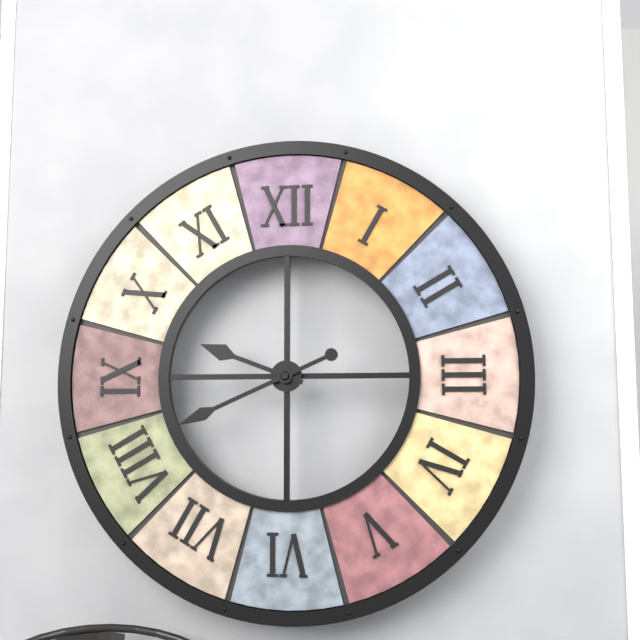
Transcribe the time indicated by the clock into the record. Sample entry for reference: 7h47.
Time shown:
9h41
